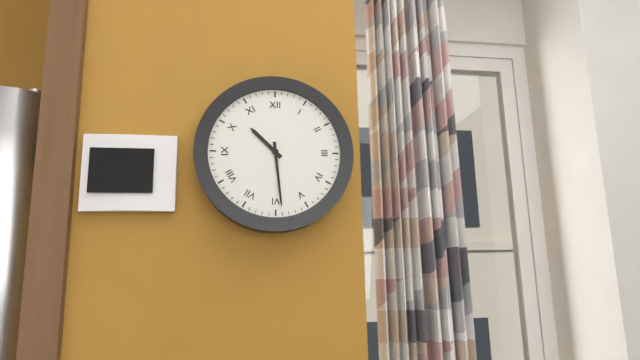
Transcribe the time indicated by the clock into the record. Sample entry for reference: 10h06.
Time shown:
10h29
